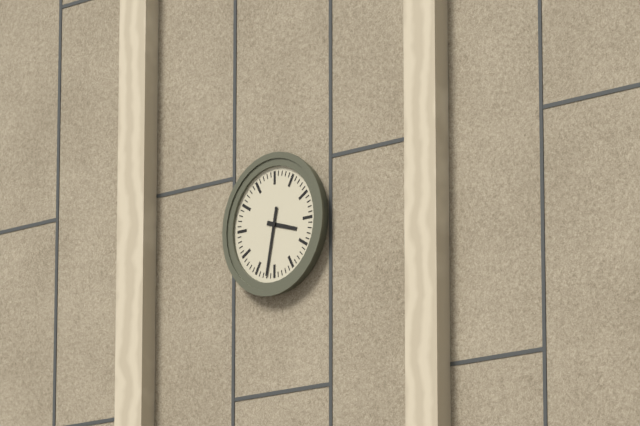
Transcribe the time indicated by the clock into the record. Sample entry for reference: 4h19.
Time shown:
3h32
